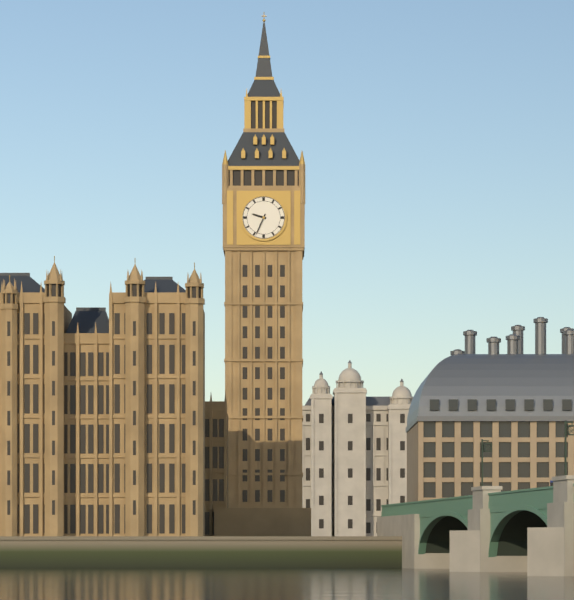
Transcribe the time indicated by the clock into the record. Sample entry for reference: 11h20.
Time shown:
9h34
